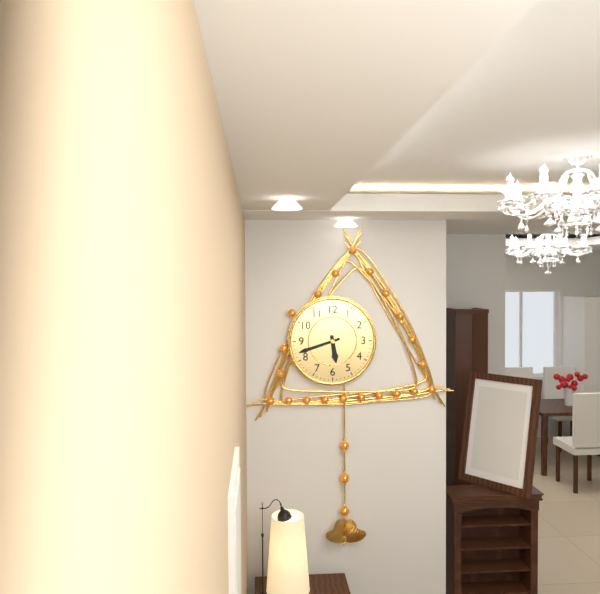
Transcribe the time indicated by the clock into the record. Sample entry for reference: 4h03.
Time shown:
5h42
